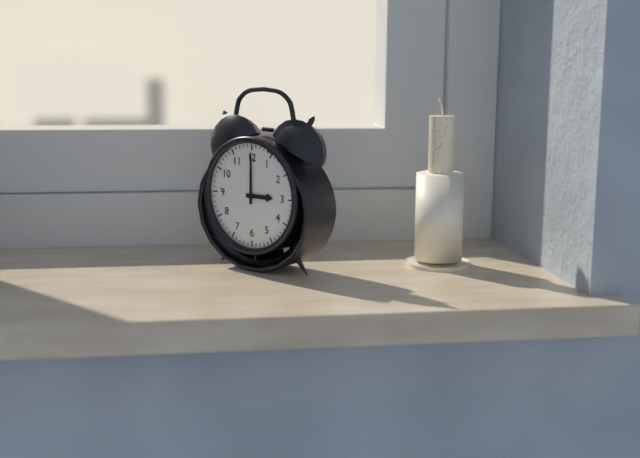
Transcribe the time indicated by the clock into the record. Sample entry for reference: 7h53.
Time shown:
3h00
